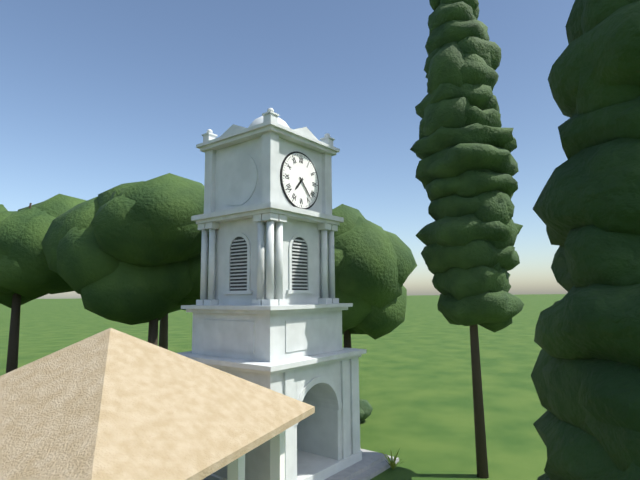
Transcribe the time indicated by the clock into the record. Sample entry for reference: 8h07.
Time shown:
7h23
